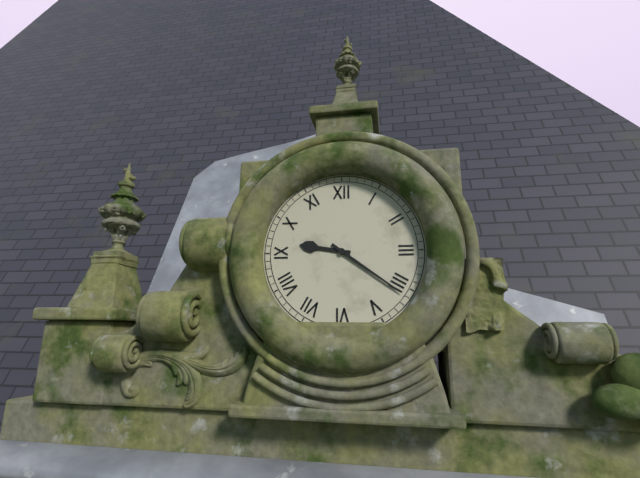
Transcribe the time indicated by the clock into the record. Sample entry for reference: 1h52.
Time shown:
9h21
